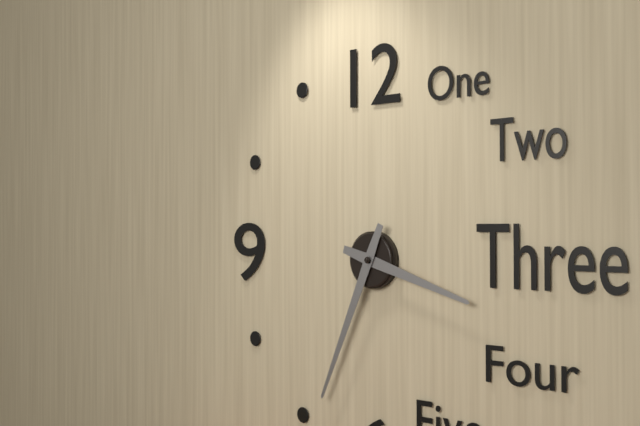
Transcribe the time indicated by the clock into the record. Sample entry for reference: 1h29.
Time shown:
3h34
